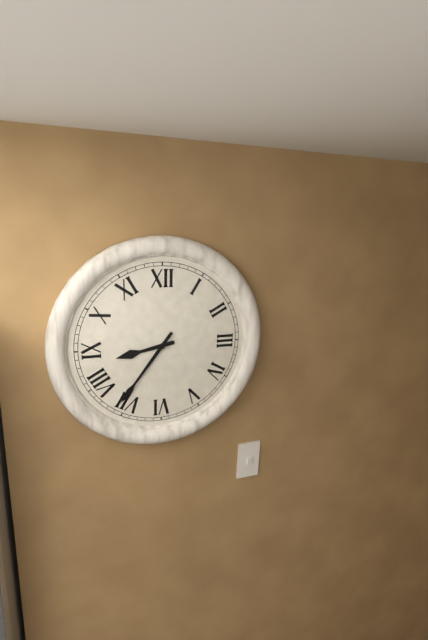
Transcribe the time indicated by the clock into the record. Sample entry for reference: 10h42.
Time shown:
8h36
